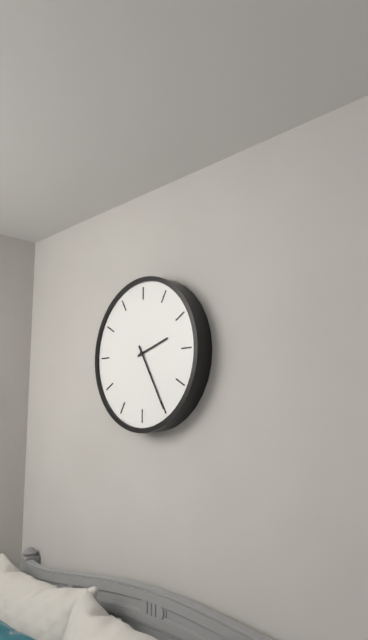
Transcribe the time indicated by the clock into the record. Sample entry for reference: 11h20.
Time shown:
2h25
